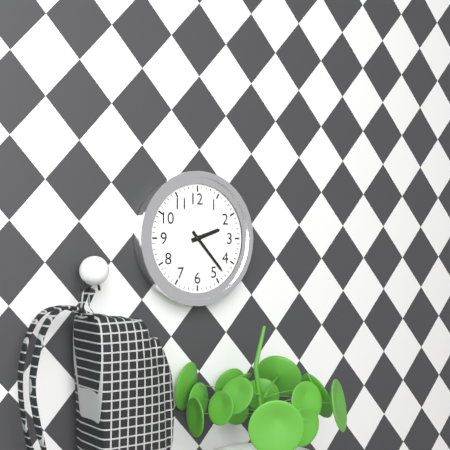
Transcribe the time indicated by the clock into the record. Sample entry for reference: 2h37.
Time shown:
2h23
